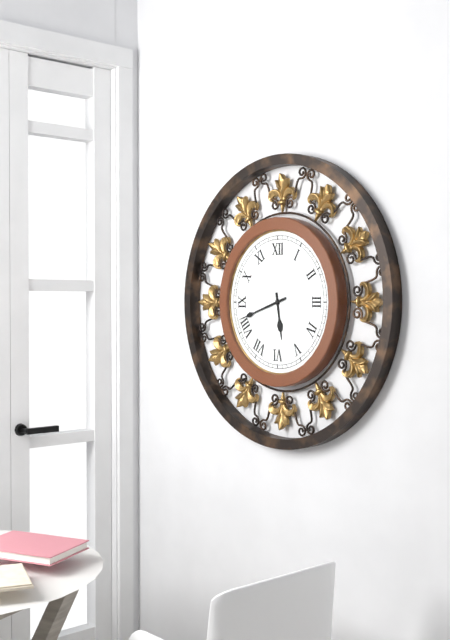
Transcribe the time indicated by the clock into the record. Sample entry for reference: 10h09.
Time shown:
5h42
